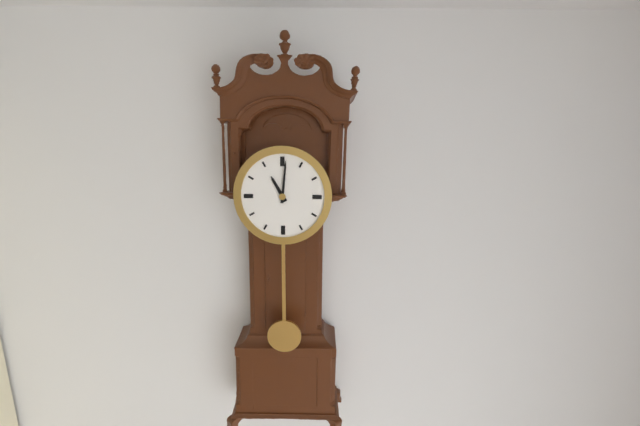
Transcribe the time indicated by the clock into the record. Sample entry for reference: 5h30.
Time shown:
11h01
